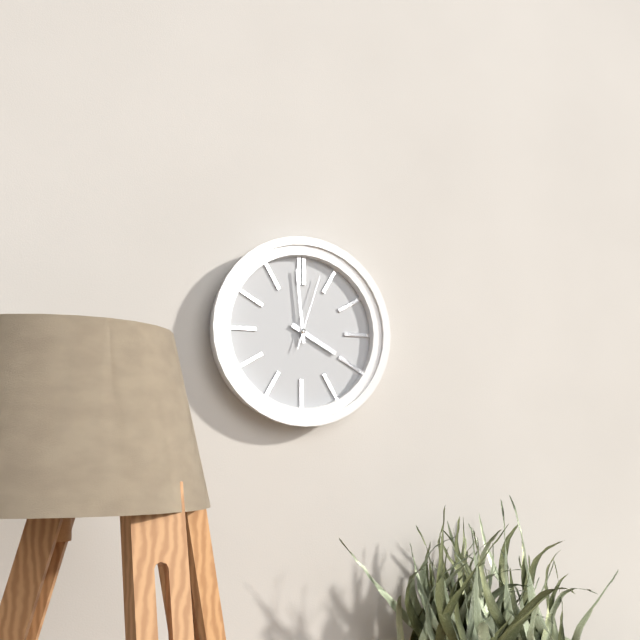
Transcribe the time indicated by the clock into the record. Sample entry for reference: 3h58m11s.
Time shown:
3h59m03s
